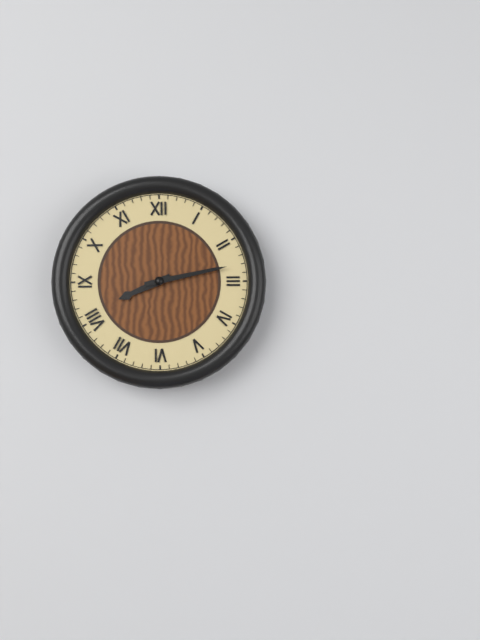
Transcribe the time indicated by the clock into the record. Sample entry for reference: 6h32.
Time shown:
8h13
